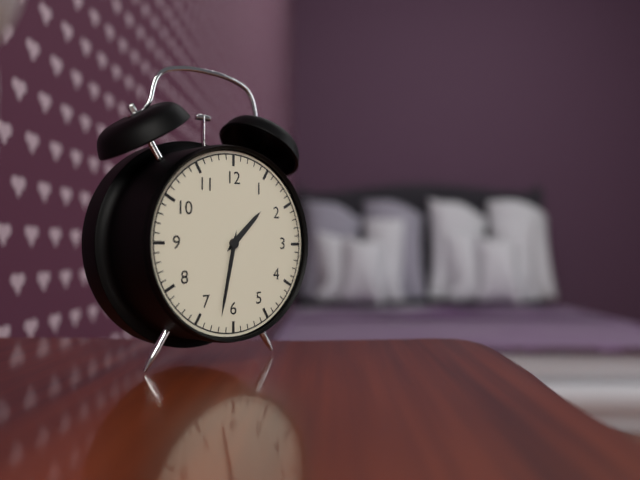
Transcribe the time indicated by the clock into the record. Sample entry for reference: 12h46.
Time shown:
1h32
